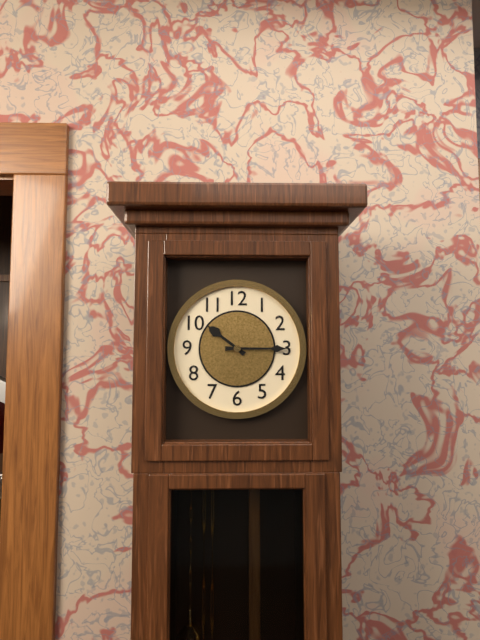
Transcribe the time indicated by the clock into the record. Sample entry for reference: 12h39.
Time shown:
10h15
